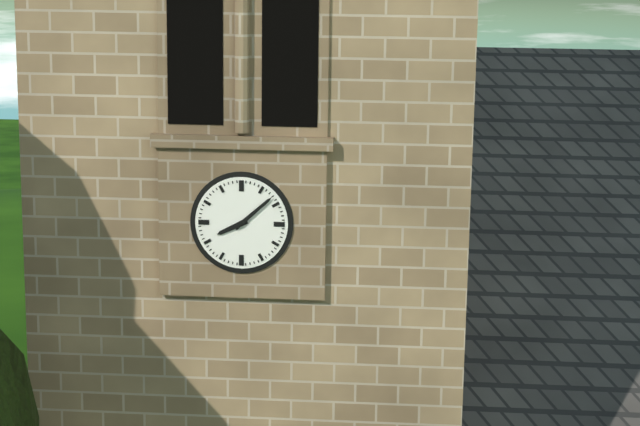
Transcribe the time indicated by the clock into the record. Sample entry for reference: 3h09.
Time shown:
8h08
